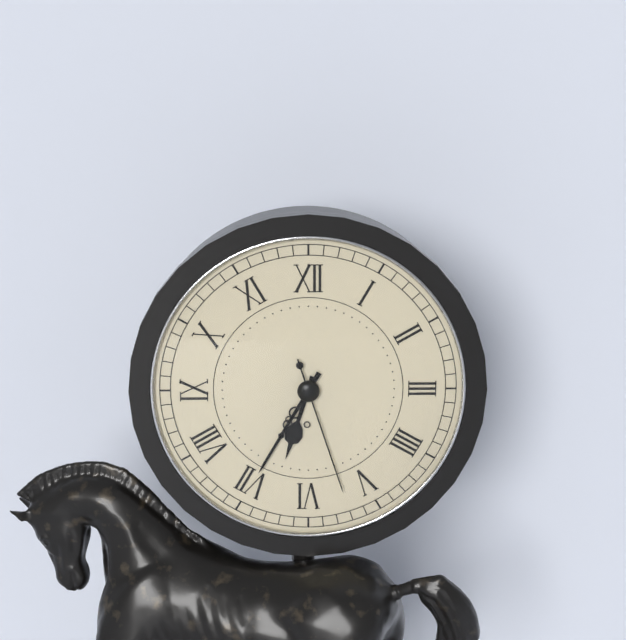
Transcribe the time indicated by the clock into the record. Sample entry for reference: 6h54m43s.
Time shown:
6h35m27s
